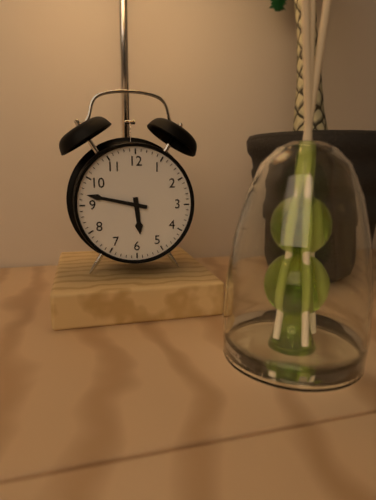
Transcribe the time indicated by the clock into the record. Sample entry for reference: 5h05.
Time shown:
5h47
